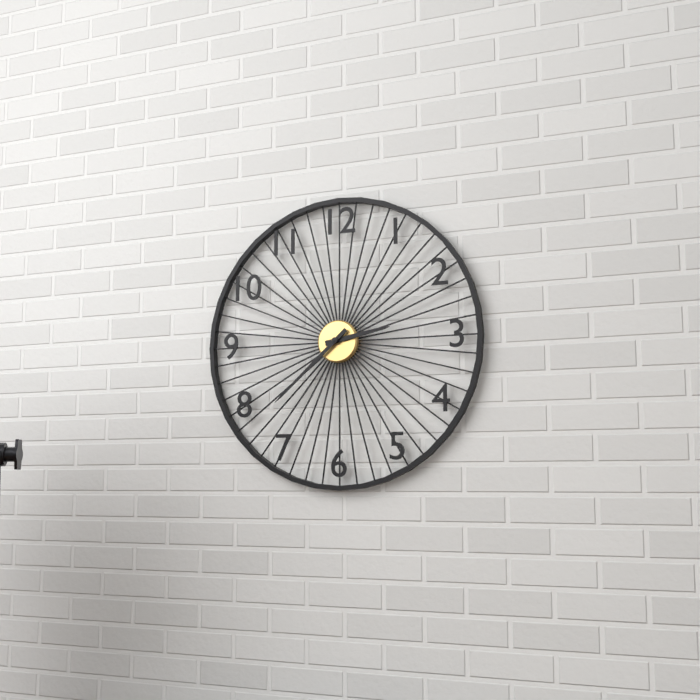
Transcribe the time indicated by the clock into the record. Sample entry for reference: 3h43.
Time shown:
2h38
